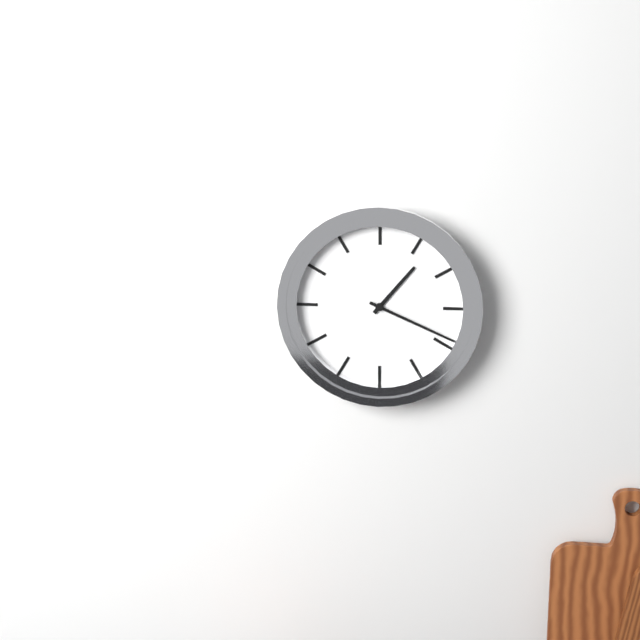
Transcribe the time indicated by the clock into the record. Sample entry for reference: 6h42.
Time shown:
1h19
